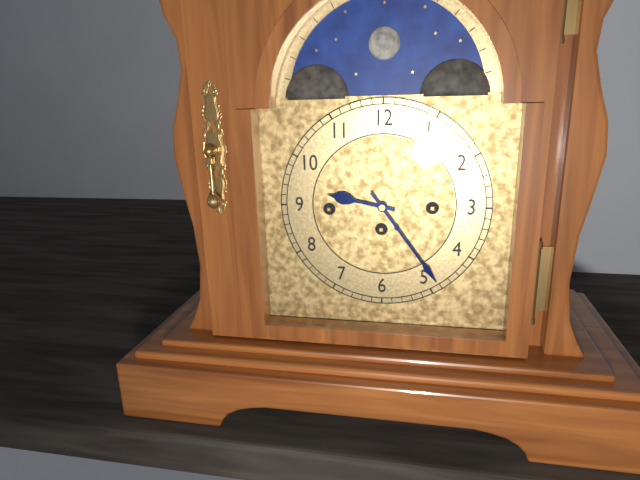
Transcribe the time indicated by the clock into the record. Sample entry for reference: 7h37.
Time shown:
9h24
